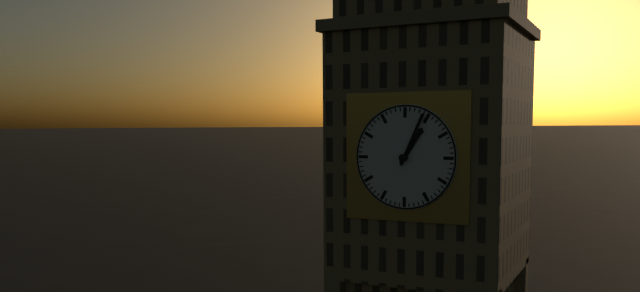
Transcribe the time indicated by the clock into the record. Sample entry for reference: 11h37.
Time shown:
1h04
